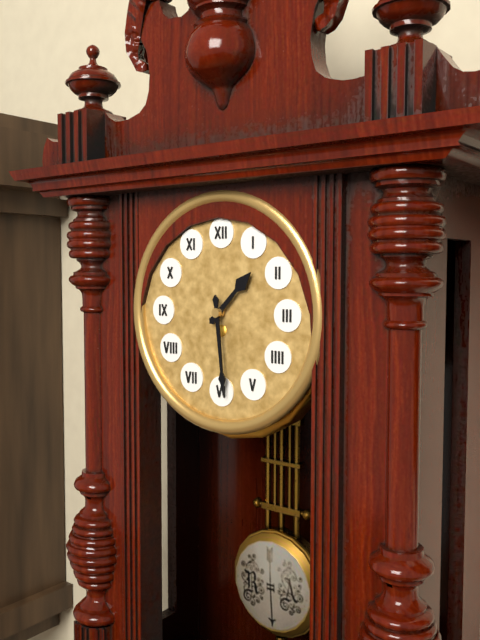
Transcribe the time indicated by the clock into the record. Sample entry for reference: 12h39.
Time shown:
1h29
